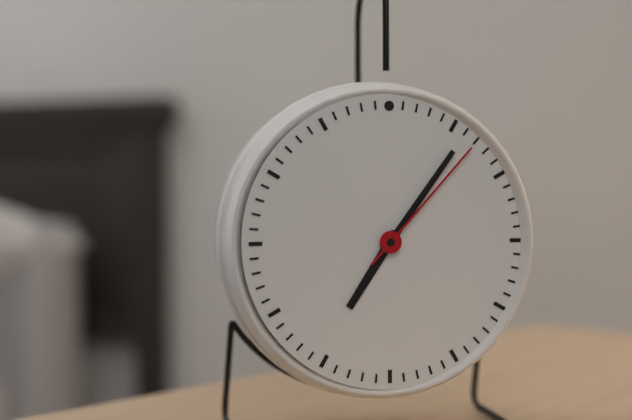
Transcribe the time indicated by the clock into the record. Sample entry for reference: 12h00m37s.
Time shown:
7h06m07s
